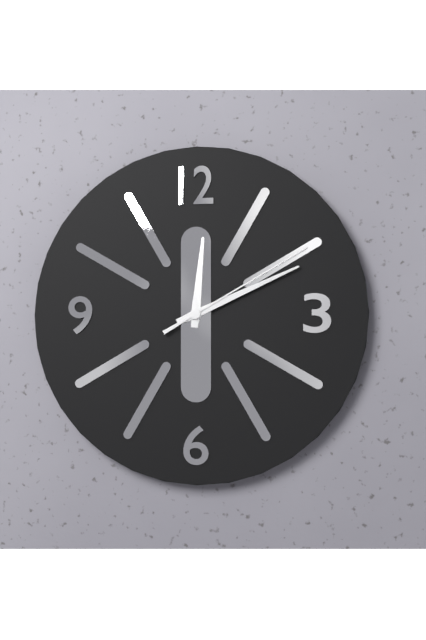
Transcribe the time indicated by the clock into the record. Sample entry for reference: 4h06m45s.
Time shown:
12h11m10s
